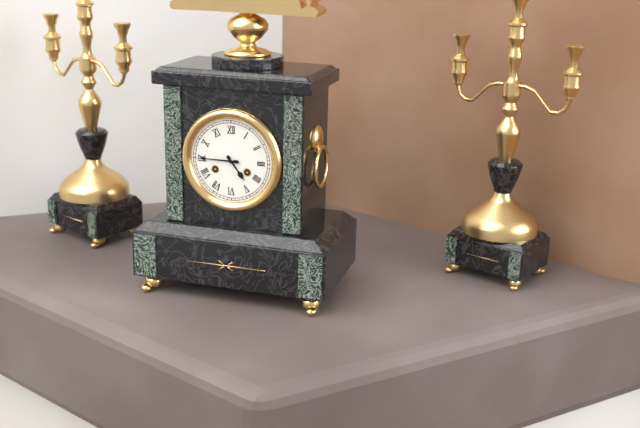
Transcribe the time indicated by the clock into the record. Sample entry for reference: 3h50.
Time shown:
4h45
